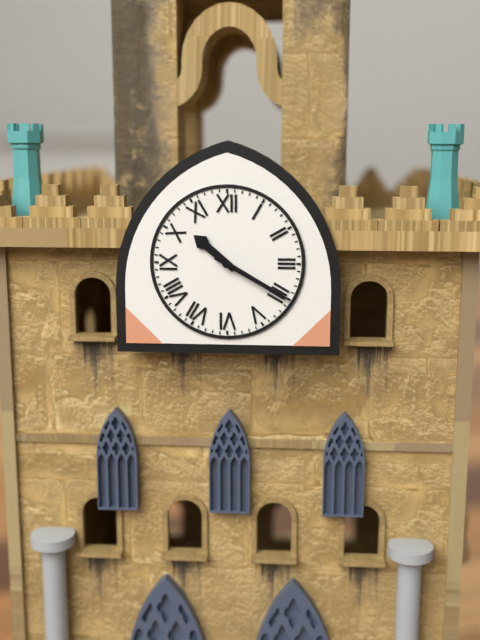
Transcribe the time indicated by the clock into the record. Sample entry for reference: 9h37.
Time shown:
10h20
